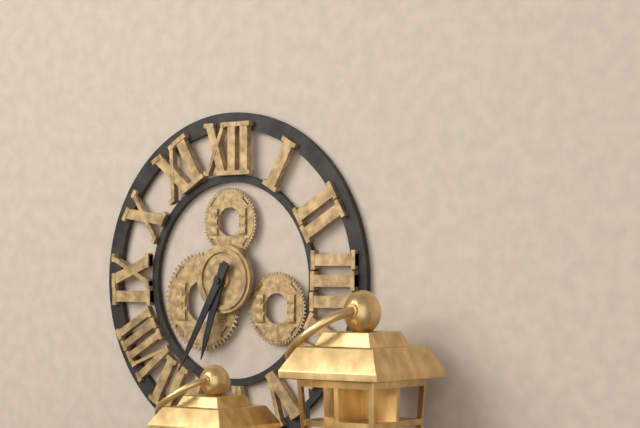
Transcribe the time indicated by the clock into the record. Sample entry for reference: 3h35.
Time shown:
6h35
